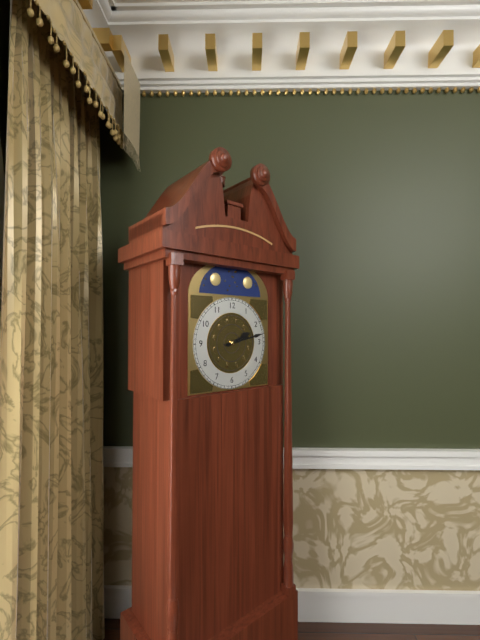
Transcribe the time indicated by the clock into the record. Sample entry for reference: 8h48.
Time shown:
2h13
